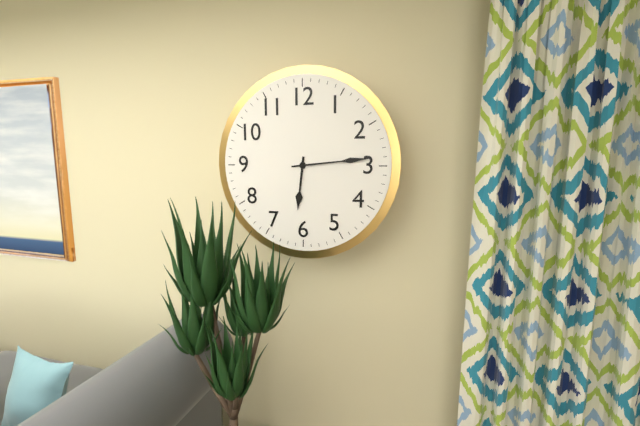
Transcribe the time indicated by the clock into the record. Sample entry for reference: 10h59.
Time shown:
6h14
